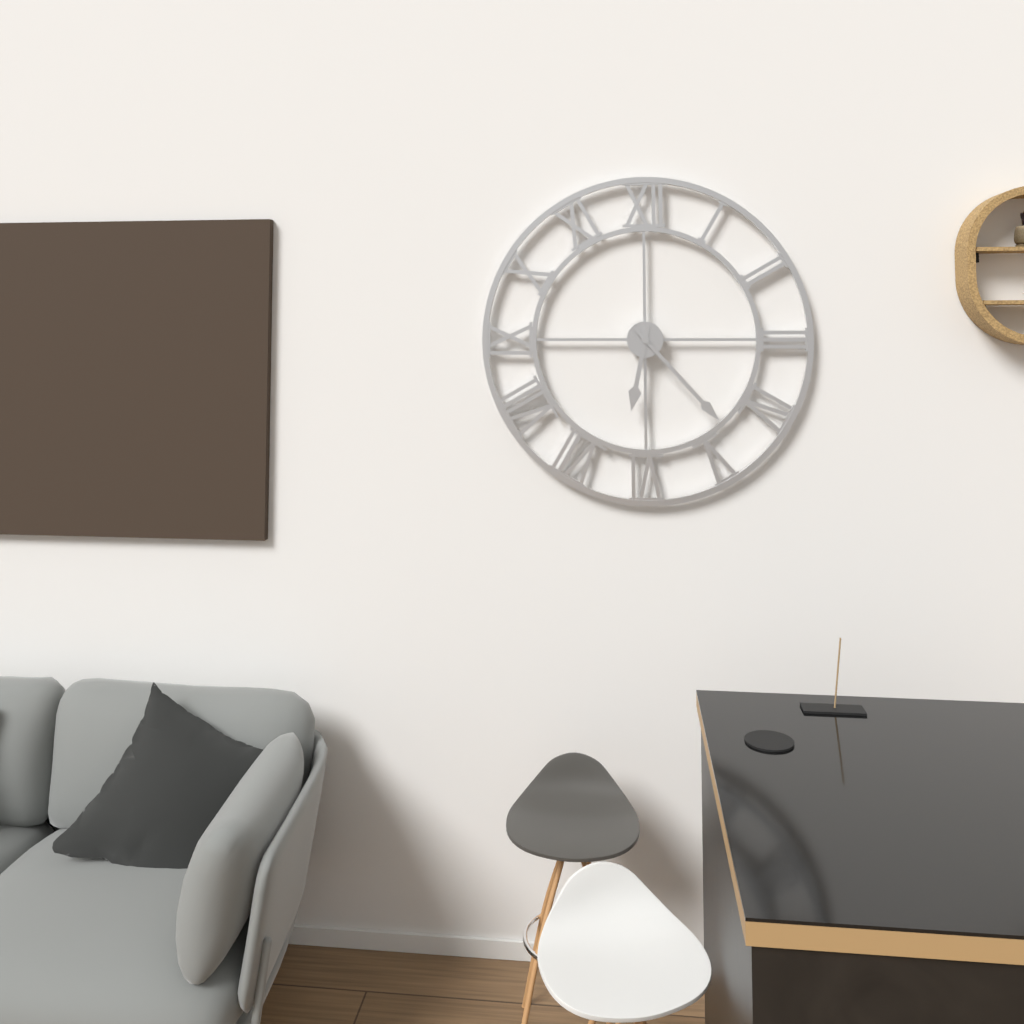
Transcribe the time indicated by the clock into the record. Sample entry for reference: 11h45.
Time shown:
6h23
